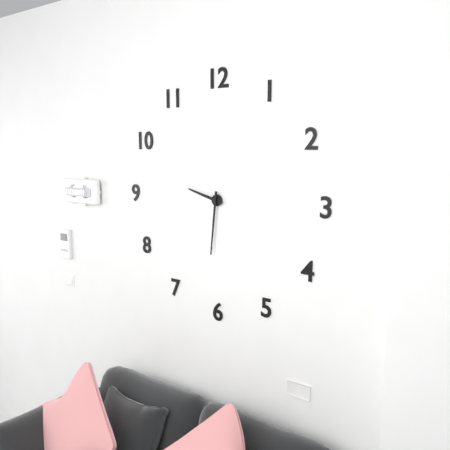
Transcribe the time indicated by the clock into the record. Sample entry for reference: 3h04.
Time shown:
9h31
